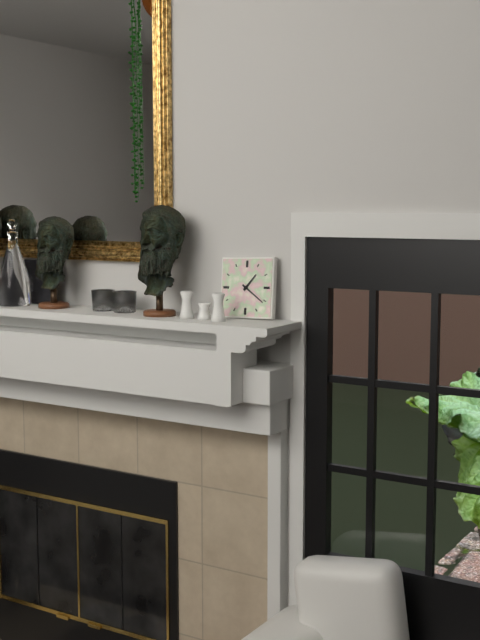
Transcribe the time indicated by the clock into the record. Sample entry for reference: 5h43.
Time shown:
1h21
